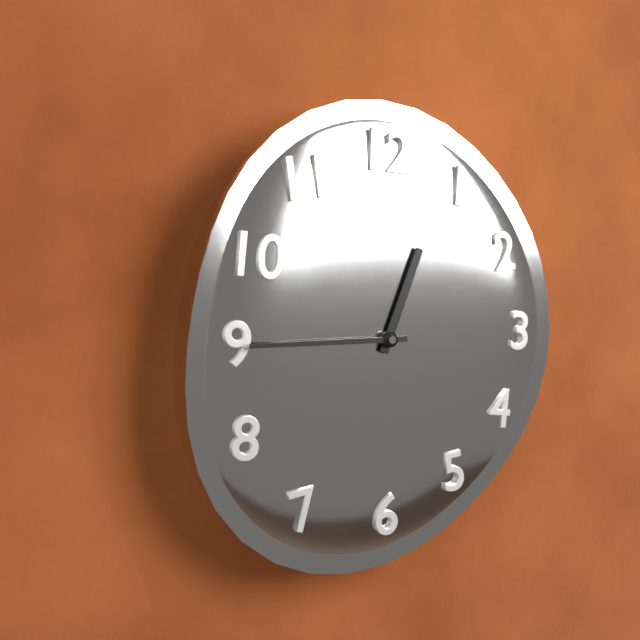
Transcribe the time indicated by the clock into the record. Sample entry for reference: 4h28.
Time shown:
12h45
